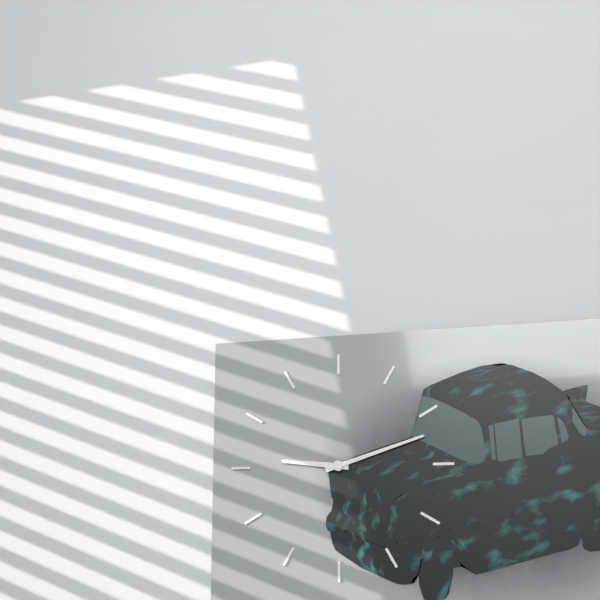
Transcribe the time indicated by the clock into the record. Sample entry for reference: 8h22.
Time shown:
9h12
